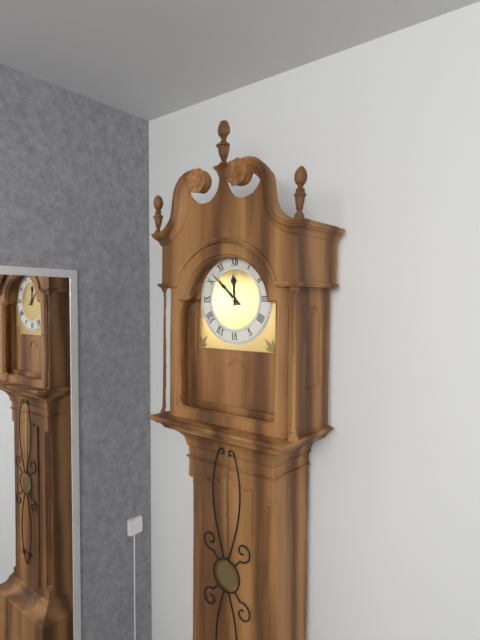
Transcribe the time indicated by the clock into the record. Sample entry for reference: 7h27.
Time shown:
11h52
